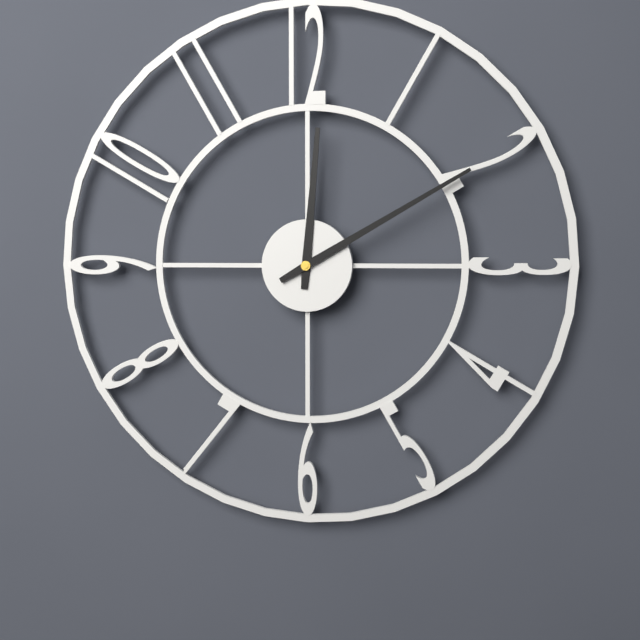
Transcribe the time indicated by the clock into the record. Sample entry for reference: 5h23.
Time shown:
12h10
